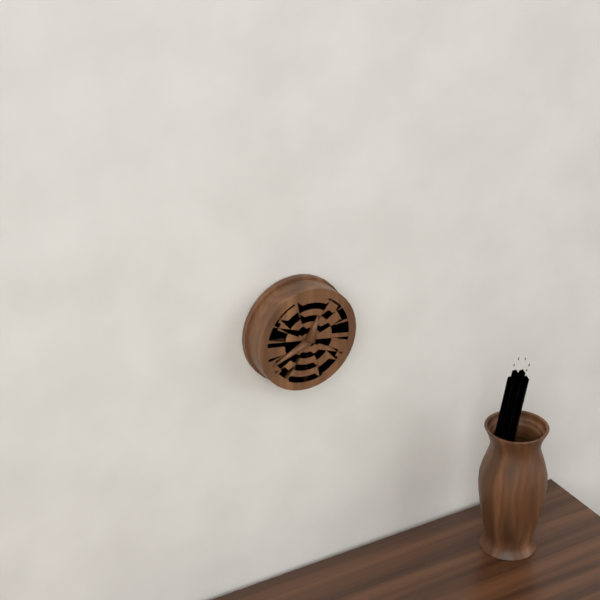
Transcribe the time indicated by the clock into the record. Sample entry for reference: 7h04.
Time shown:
12h41
